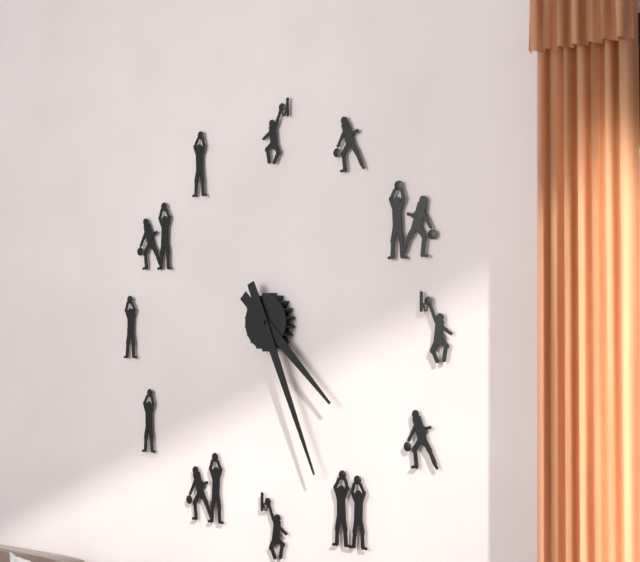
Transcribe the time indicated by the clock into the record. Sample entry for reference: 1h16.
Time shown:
4h26
